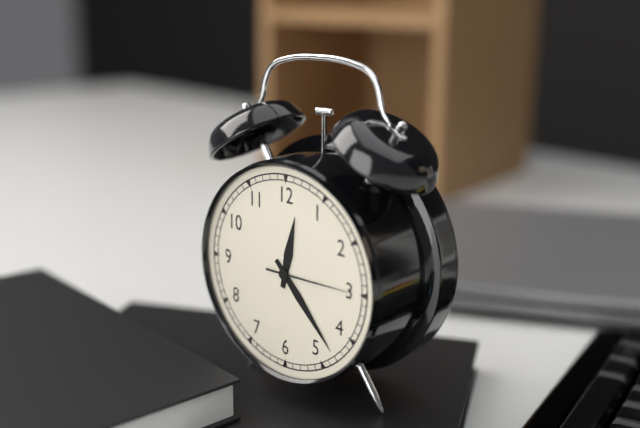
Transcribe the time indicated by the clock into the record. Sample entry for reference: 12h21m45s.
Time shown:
12h23m15s
